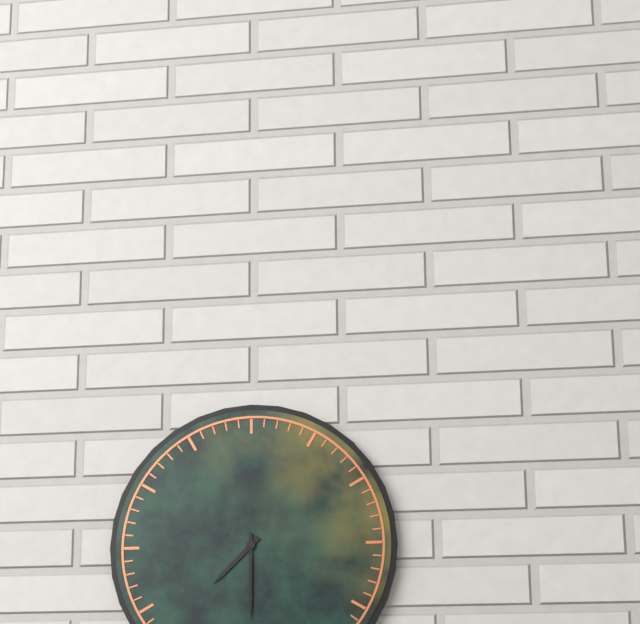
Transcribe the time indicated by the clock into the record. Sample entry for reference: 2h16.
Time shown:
7h30
